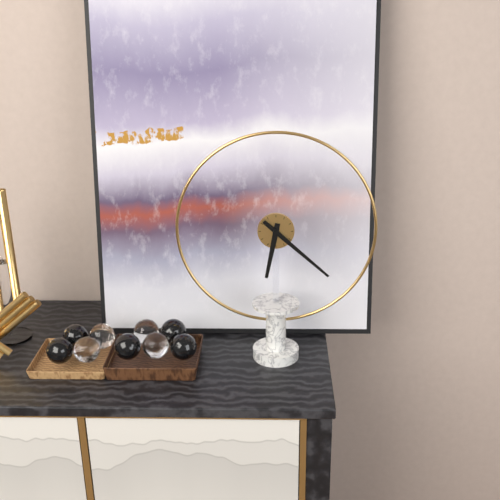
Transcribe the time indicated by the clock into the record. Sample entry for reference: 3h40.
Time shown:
6h22
